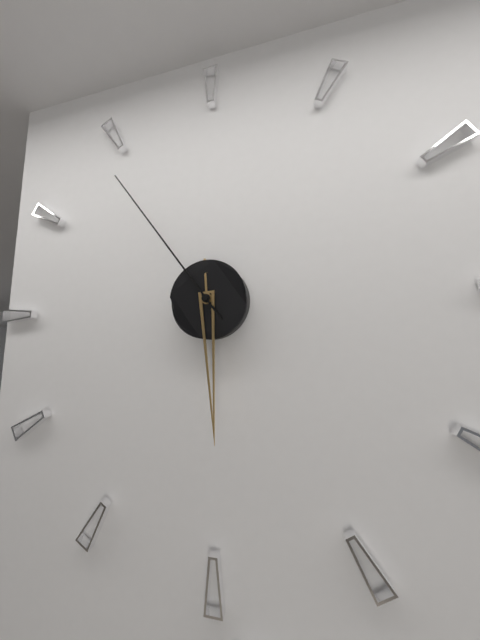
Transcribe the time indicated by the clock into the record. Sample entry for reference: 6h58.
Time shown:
5h54
